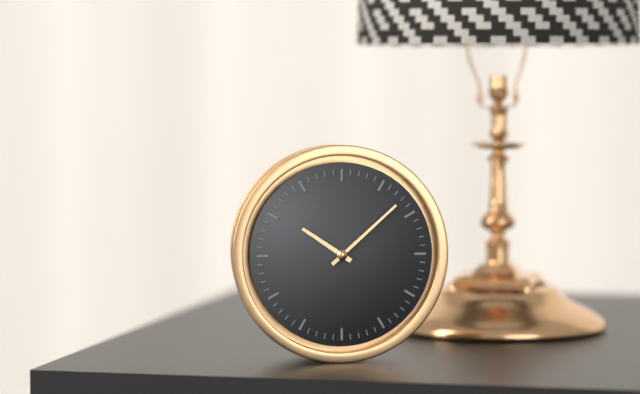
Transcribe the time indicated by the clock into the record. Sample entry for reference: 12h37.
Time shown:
10h08
